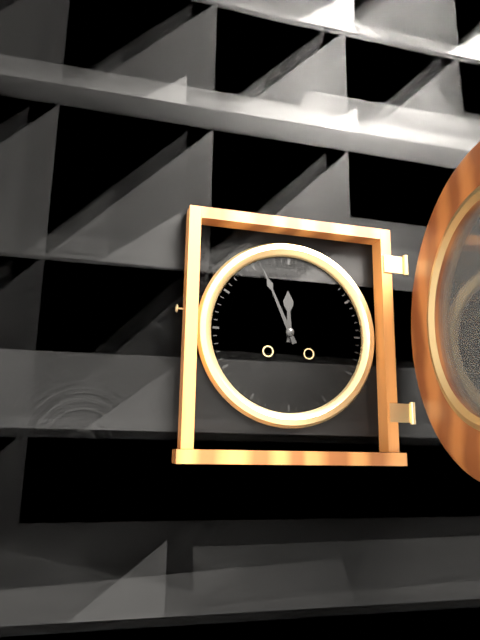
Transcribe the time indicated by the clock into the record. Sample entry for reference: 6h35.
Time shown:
11h56
